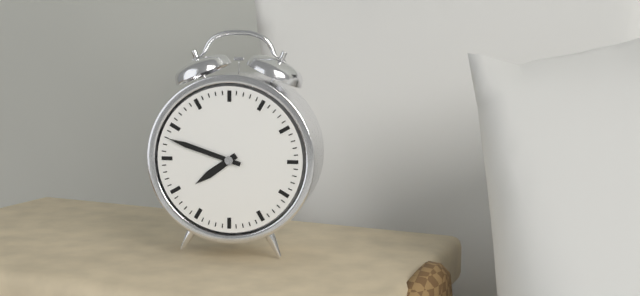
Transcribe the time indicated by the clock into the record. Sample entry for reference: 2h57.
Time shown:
7h48
